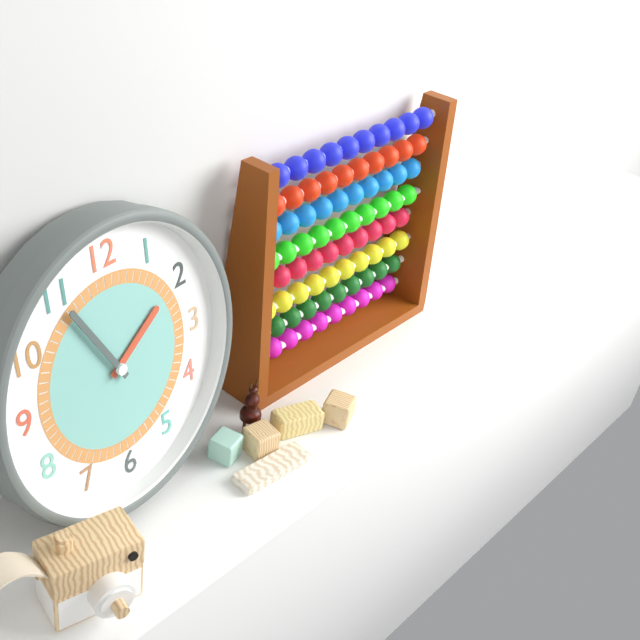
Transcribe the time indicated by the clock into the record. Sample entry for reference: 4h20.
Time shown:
1h55
